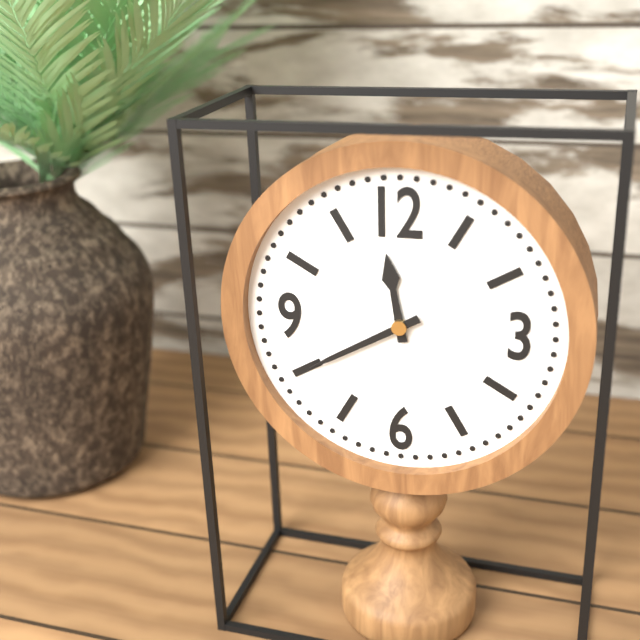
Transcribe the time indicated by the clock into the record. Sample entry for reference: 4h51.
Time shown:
11h40
